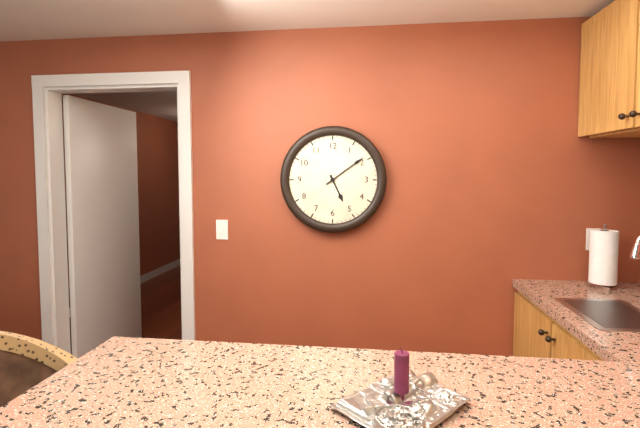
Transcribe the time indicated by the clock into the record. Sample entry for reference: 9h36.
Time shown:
5h09
